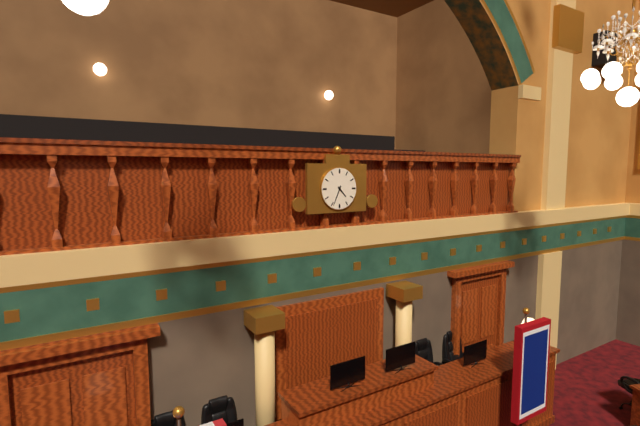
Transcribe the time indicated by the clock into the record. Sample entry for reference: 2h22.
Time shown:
4h34
